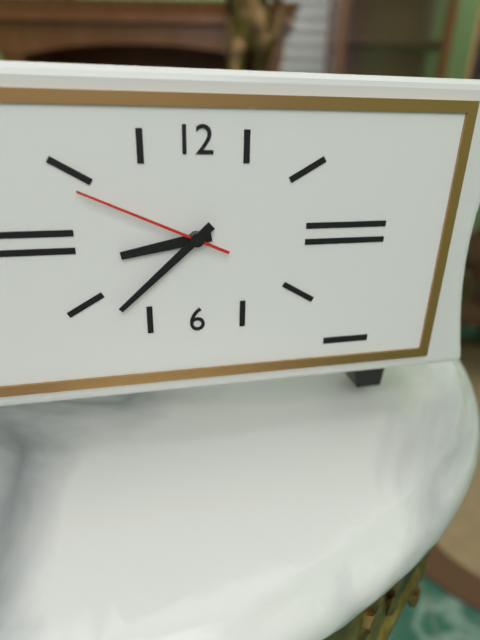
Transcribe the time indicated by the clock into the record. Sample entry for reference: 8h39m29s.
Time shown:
8h38m49s
